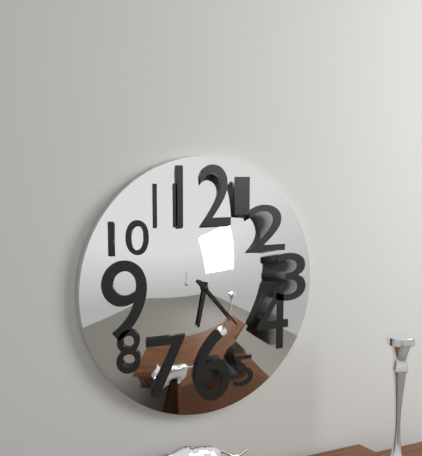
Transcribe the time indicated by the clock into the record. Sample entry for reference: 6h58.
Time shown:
6h23
